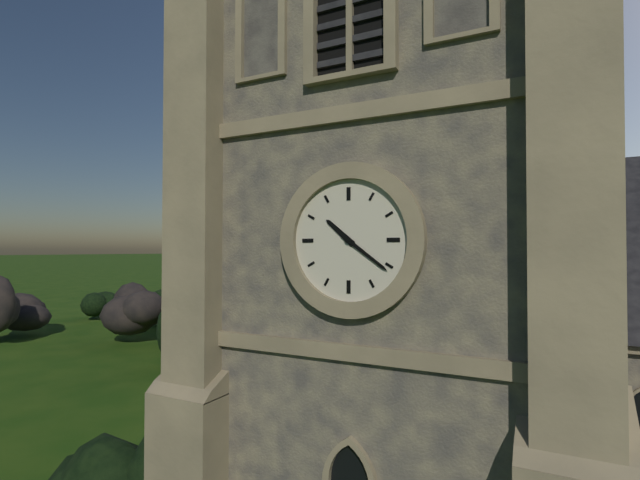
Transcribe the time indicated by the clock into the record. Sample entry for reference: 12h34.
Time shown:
10h21
